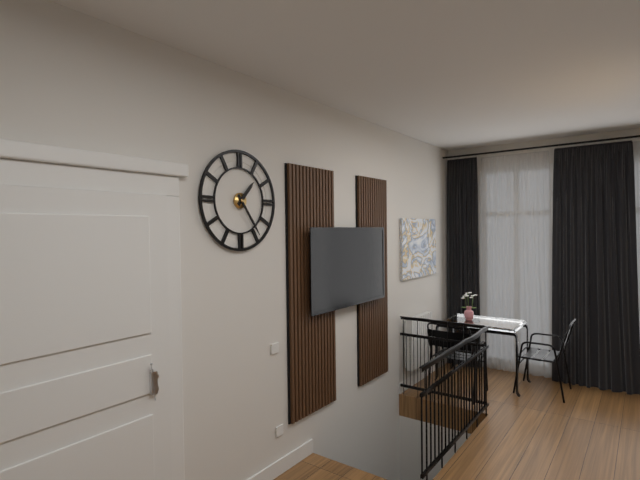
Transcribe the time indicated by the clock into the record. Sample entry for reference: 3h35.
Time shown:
1h24
